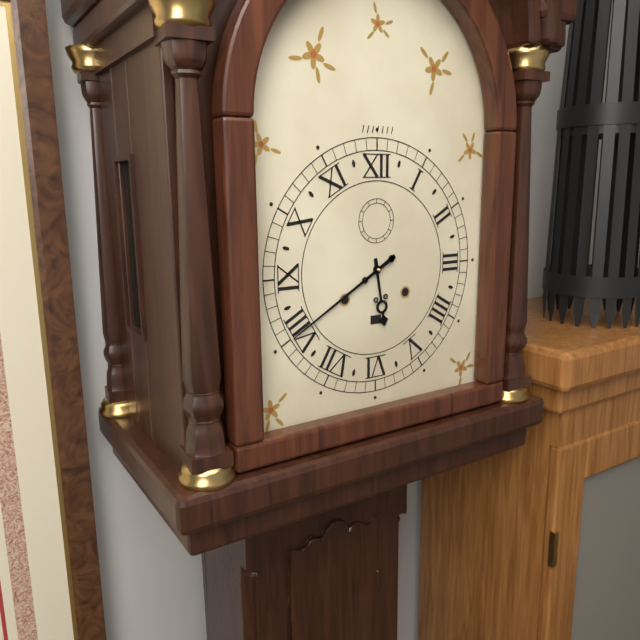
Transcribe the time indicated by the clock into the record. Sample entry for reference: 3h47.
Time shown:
5h40
